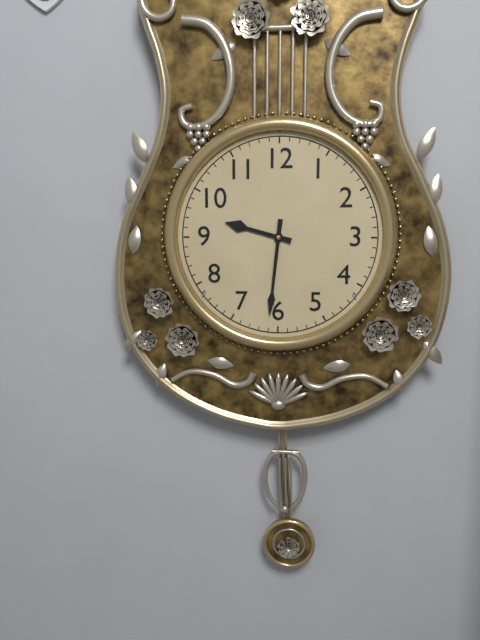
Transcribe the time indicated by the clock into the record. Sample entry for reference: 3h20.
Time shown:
9h31
